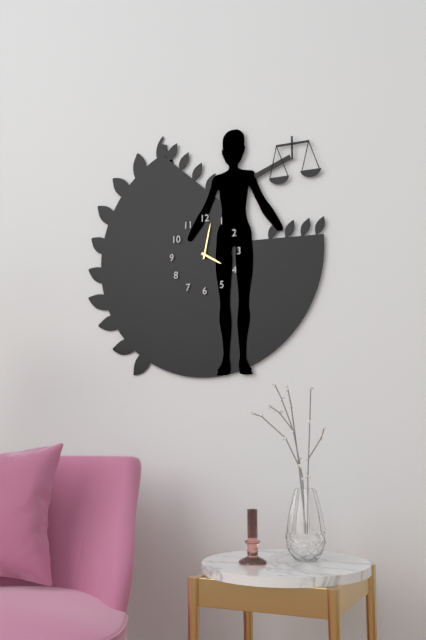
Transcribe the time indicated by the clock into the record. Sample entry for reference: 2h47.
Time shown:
4h02
